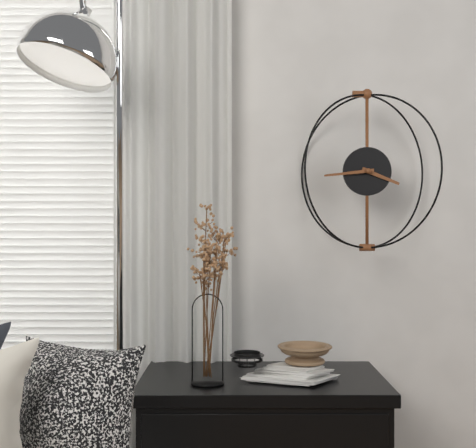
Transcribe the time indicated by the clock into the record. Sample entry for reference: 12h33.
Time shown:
3h44
